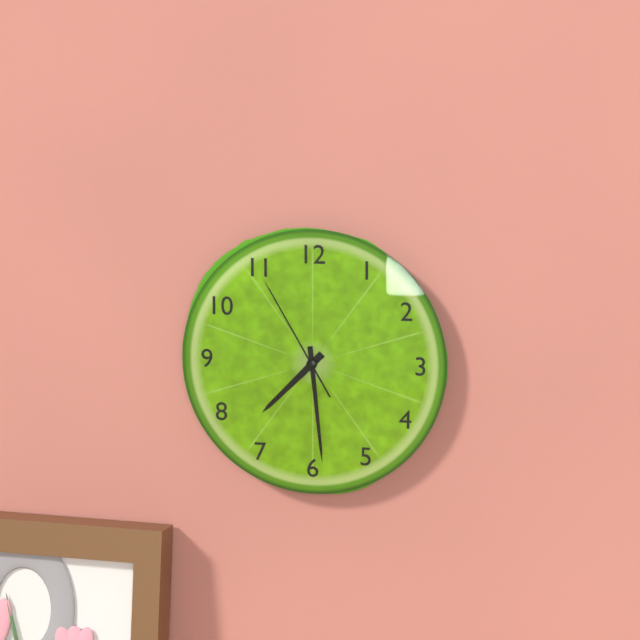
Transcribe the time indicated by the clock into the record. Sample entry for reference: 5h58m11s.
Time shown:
7h29m55s
